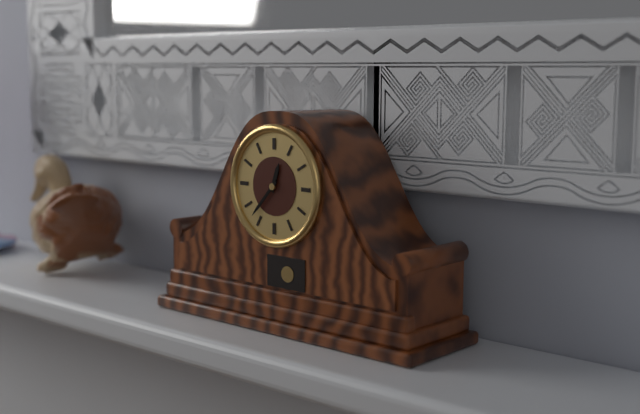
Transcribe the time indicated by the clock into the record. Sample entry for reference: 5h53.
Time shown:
12h37
